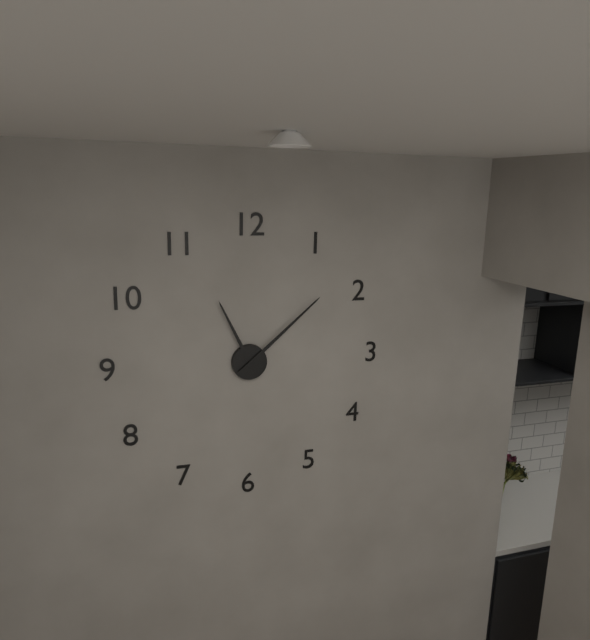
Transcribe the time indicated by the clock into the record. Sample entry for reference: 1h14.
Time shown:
11h08
